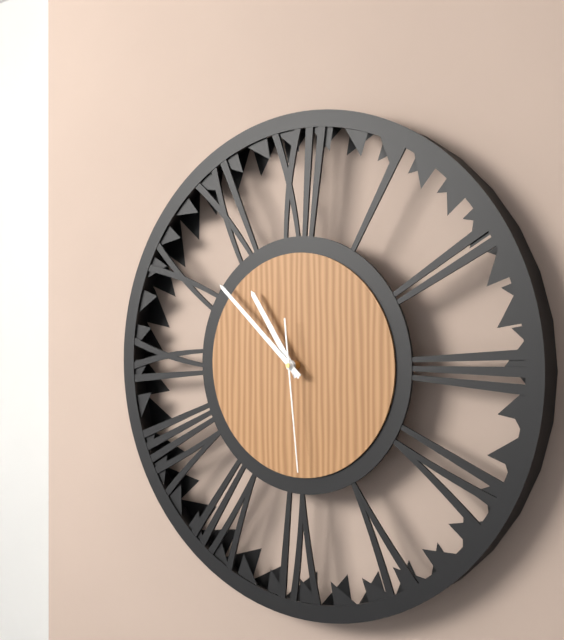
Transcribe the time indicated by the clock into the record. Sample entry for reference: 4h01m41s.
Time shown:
10h52m29s
